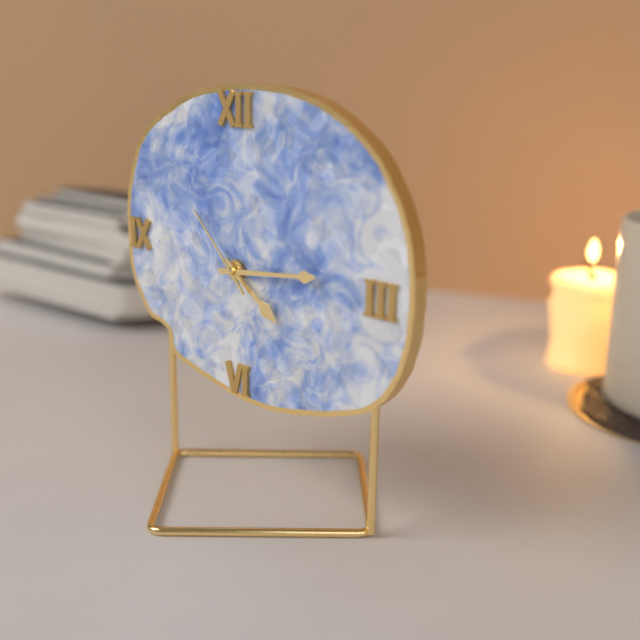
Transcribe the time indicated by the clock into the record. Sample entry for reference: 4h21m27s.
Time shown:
4h14m53s
